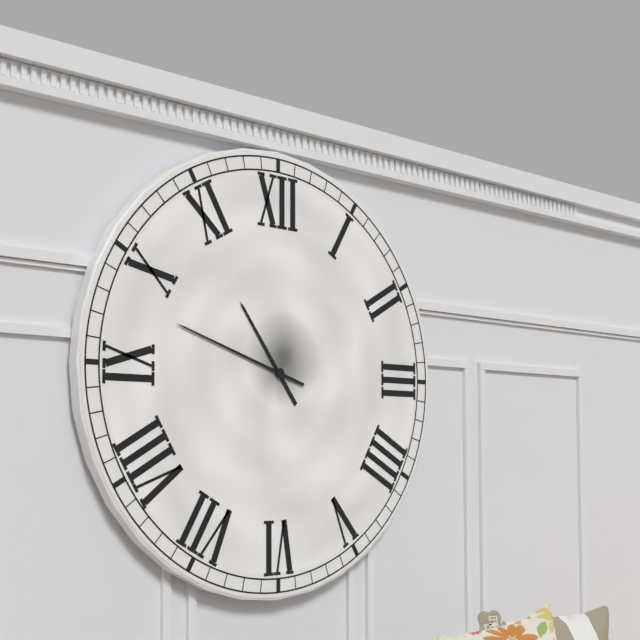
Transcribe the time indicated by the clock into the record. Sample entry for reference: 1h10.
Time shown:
10h48
